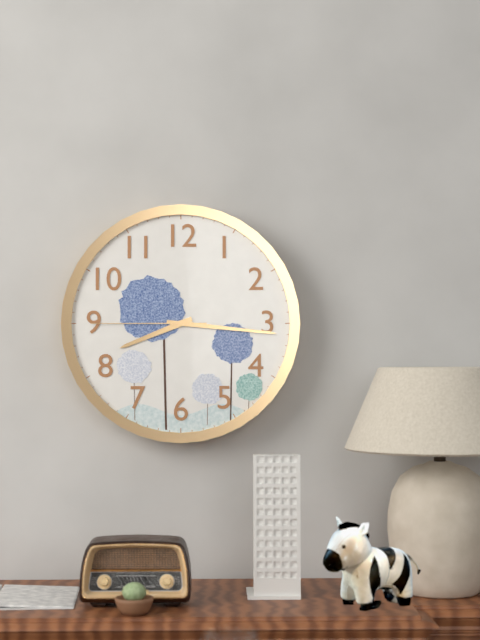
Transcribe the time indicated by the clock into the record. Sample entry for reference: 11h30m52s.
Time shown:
8h16m45s
